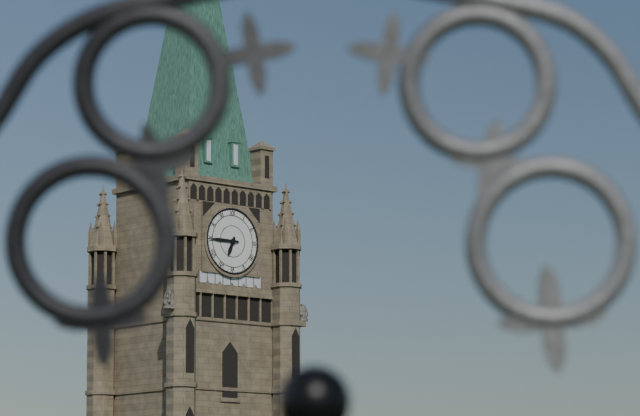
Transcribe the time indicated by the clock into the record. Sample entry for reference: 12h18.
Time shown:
6h45
